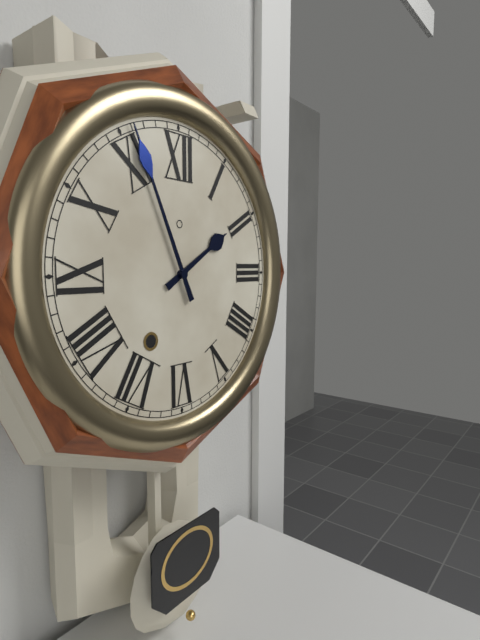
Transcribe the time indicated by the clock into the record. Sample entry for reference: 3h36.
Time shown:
1h56
